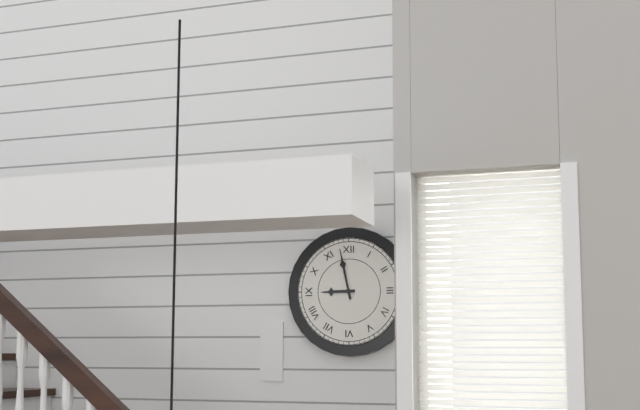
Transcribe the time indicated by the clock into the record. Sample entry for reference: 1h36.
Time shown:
8h58
